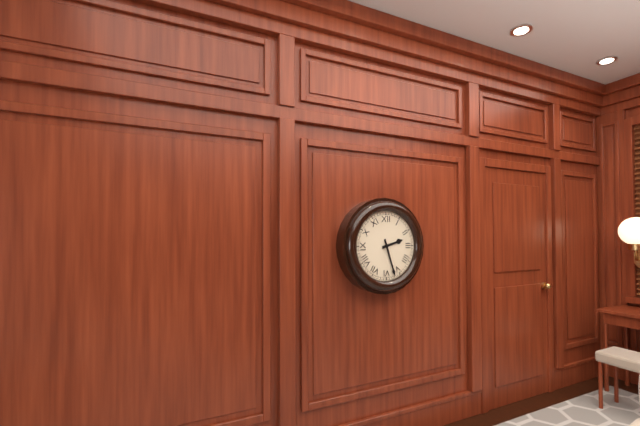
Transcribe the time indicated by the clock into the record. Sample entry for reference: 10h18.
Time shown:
2h27
